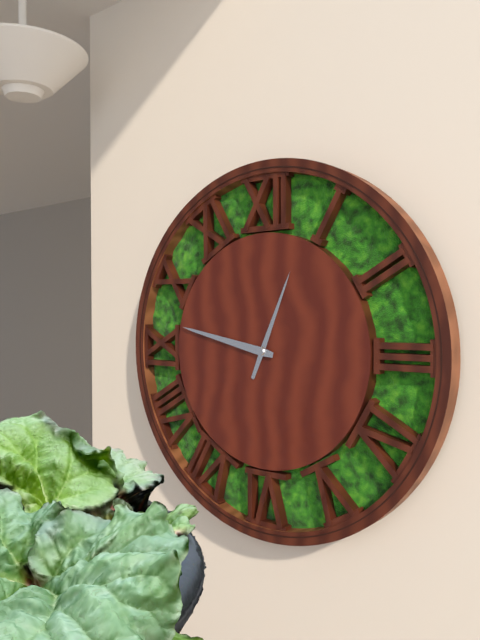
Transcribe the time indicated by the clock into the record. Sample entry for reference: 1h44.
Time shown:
12h47
